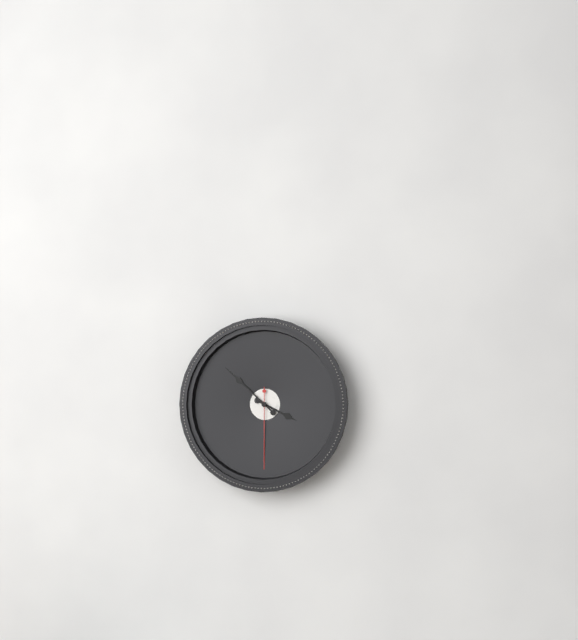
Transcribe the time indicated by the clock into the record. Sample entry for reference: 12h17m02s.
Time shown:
3h52m30s
